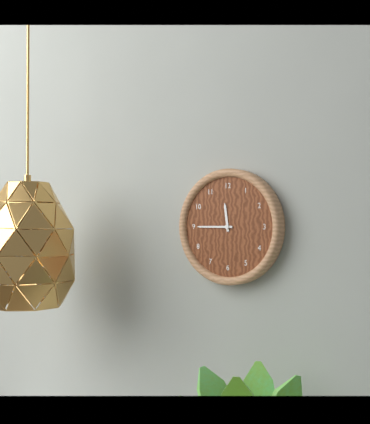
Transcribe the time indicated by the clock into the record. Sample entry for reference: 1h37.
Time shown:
11h45
